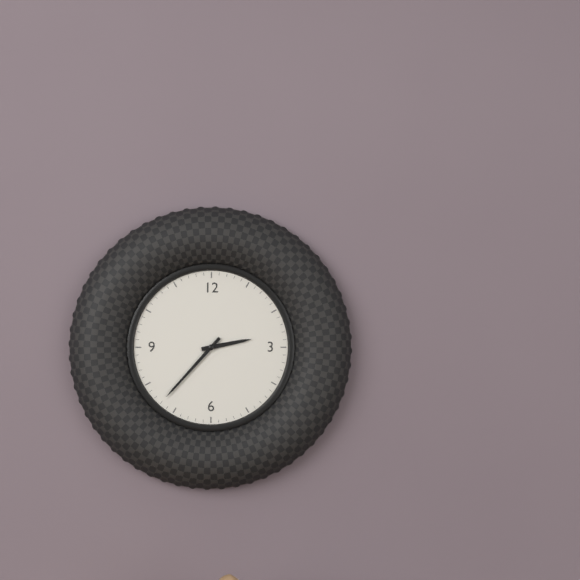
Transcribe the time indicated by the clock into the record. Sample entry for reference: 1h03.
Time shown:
2h37
